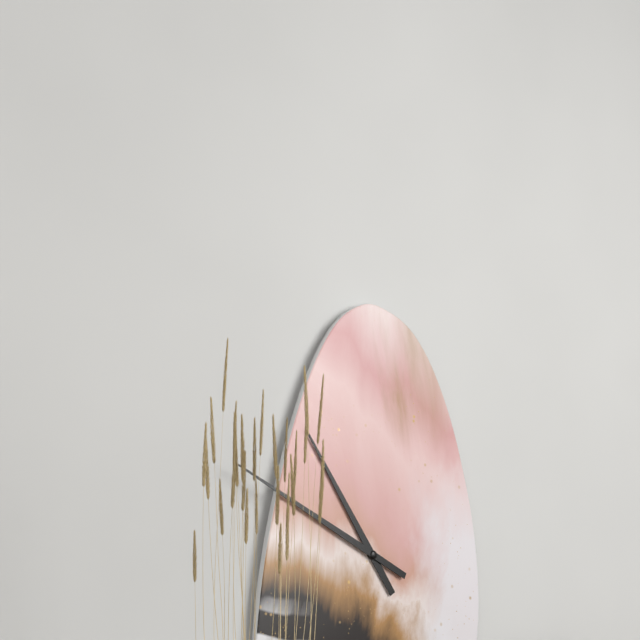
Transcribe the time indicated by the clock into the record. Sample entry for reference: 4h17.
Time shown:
10h49
